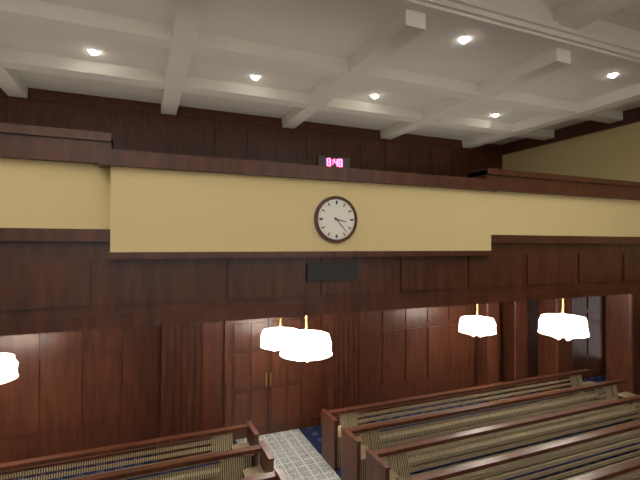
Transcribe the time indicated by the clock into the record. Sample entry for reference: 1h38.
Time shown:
3h23
